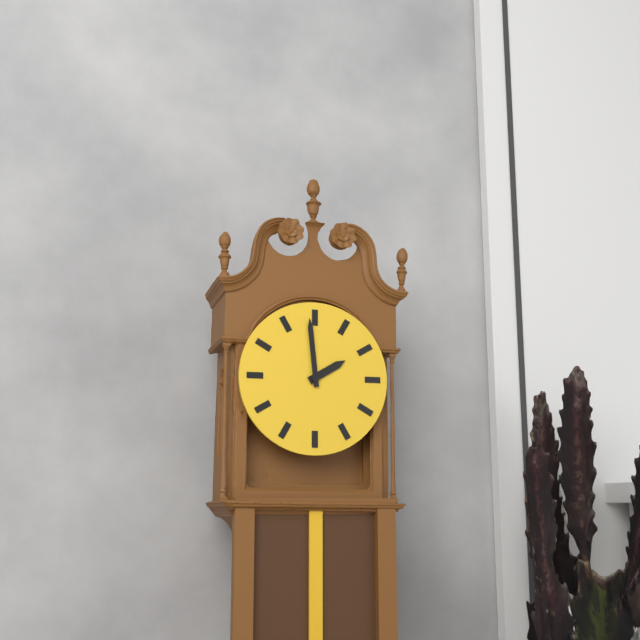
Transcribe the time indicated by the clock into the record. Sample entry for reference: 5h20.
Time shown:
1h59
